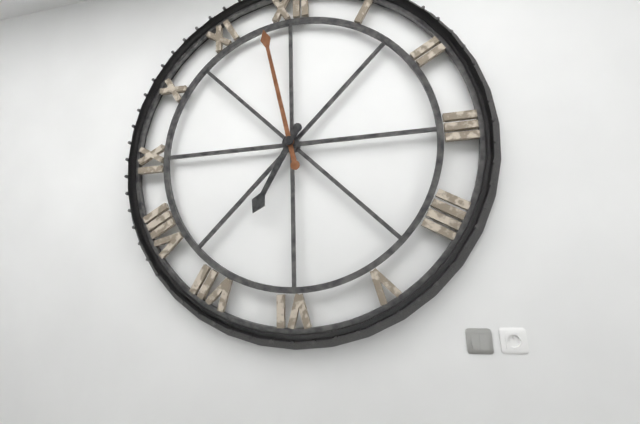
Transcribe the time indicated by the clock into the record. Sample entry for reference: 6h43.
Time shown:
6h58
